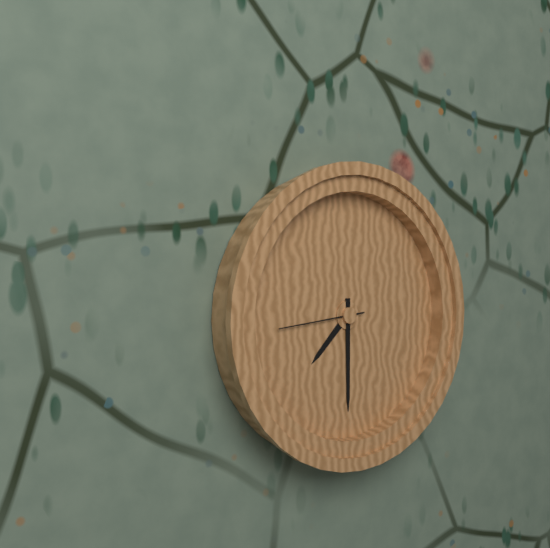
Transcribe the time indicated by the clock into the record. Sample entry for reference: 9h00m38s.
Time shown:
7h30m44s
